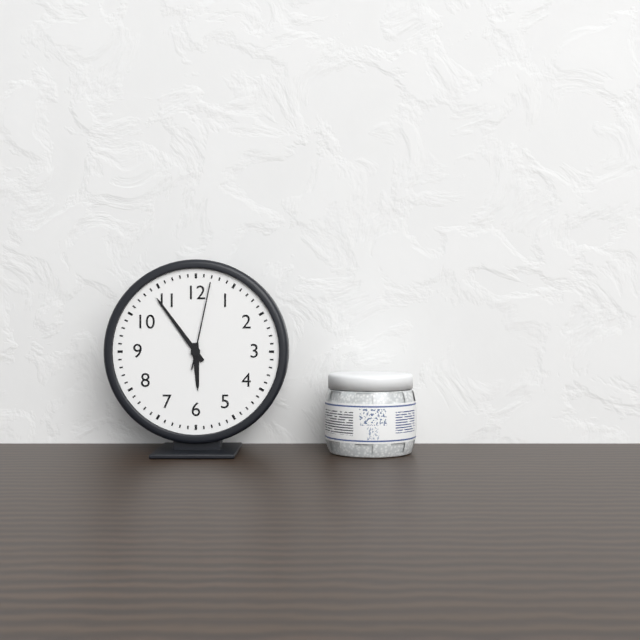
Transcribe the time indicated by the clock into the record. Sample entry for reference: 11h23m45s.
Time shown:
5h54m02s
